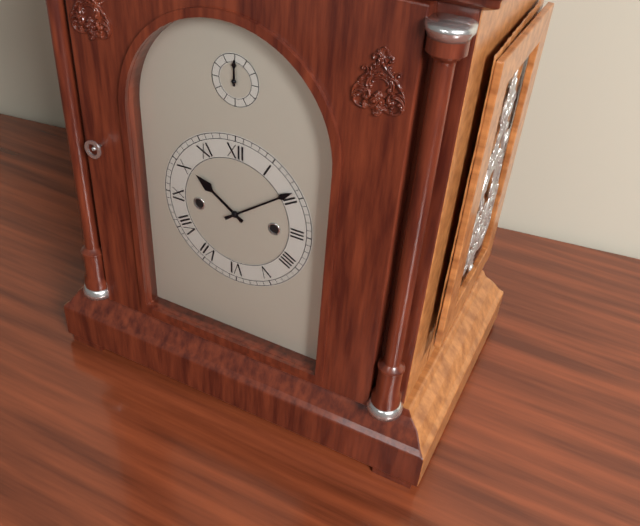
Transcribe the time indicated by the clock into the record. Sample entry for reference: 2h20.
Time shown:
10h09
